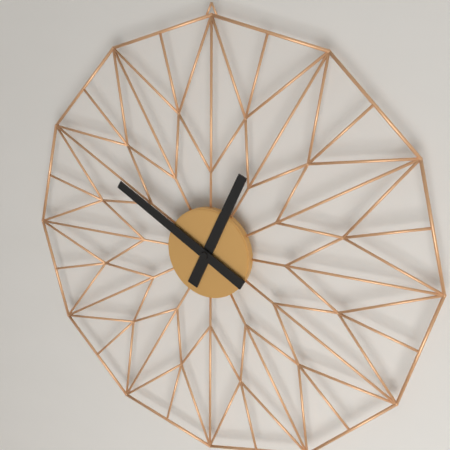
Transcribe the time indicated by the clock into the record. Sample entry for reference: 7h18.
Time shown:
12h50
